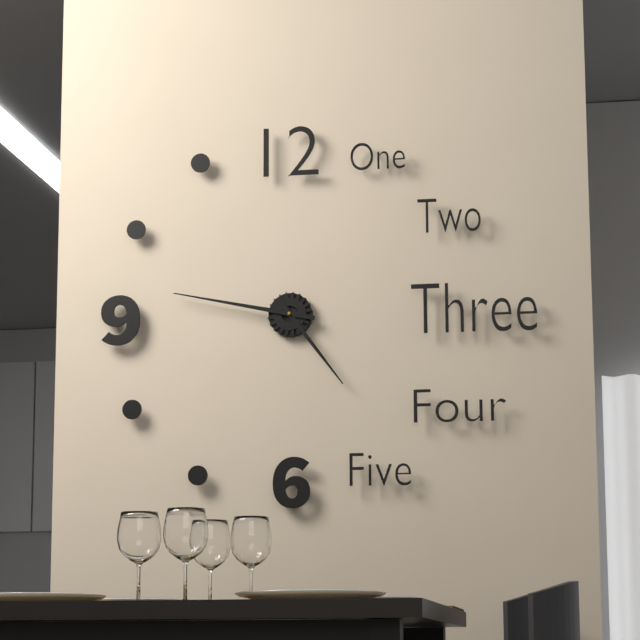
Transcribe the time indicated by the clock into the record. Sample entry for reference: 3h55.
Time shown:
4h47
